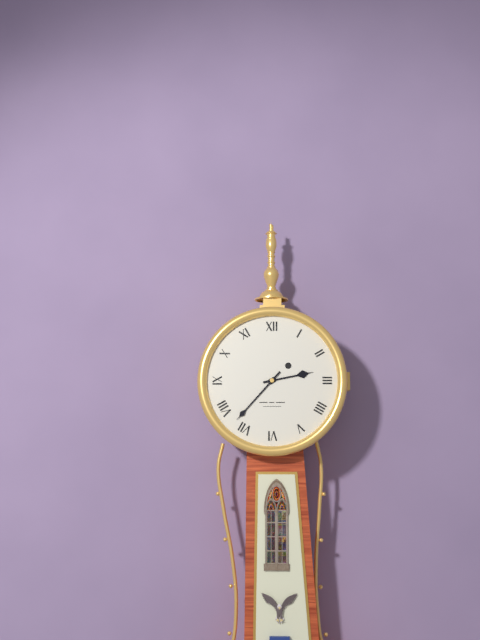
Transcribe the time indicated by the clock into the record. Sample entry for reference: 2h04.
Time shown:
2h37
